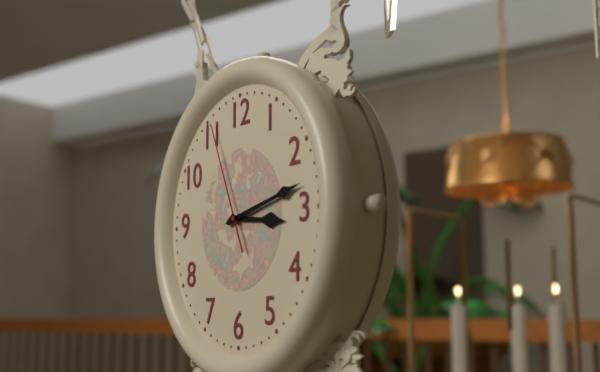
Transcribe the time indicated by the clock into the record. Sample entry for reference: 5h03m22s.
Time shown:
3h13m56s
